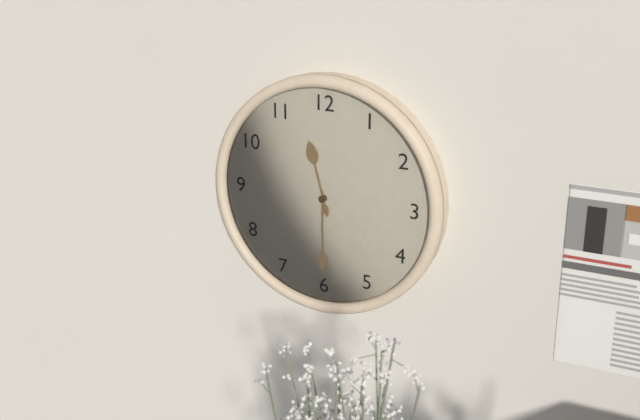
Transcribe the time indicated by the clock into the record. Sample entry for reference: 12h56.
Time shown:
11h30
